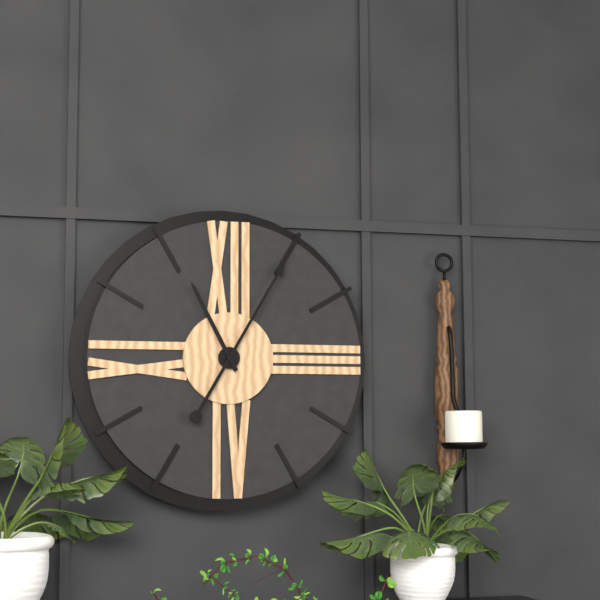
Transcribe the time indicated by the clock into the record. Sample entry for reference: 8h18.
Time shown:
11h05
